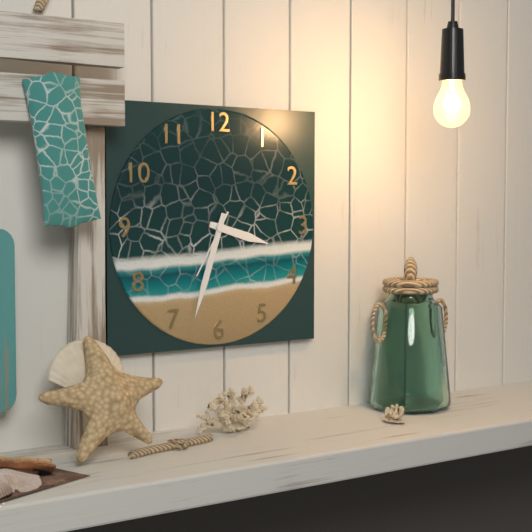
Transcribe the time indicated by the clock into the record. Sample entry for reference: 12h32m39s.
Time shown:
3h33m35s
